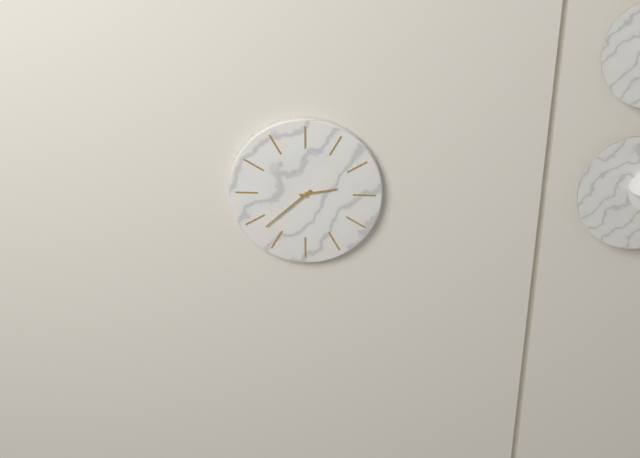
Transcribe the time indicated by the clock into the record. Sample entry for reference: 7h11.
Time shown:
2h38
